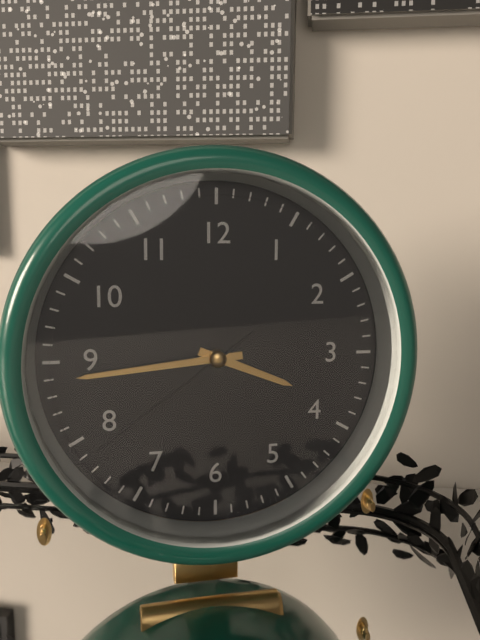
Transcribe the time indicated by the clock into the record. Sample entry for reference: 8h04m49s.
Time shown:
3h44m39s
